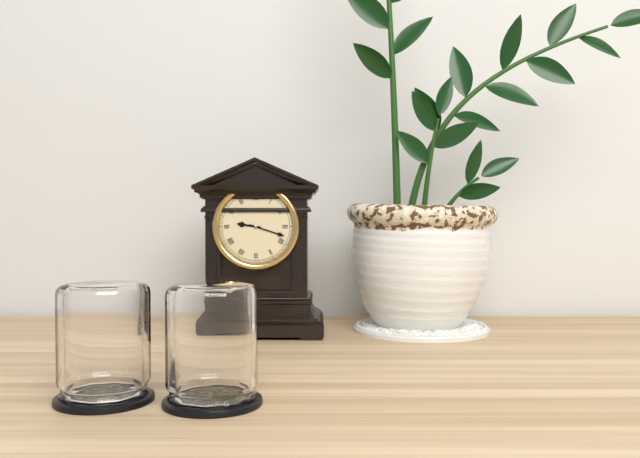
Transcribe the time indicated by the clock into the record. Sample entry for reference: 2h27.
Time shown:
9h18
